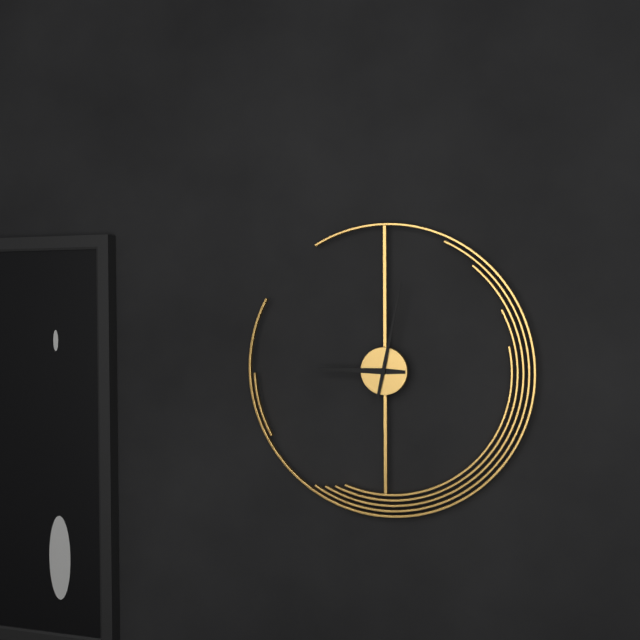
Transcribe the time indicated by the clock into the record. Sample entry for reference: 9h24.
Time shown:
9h02
